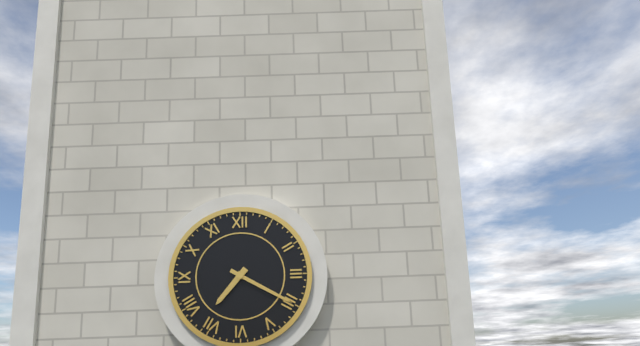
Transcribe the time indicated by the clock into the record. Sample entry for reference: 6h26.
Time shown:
7h20
